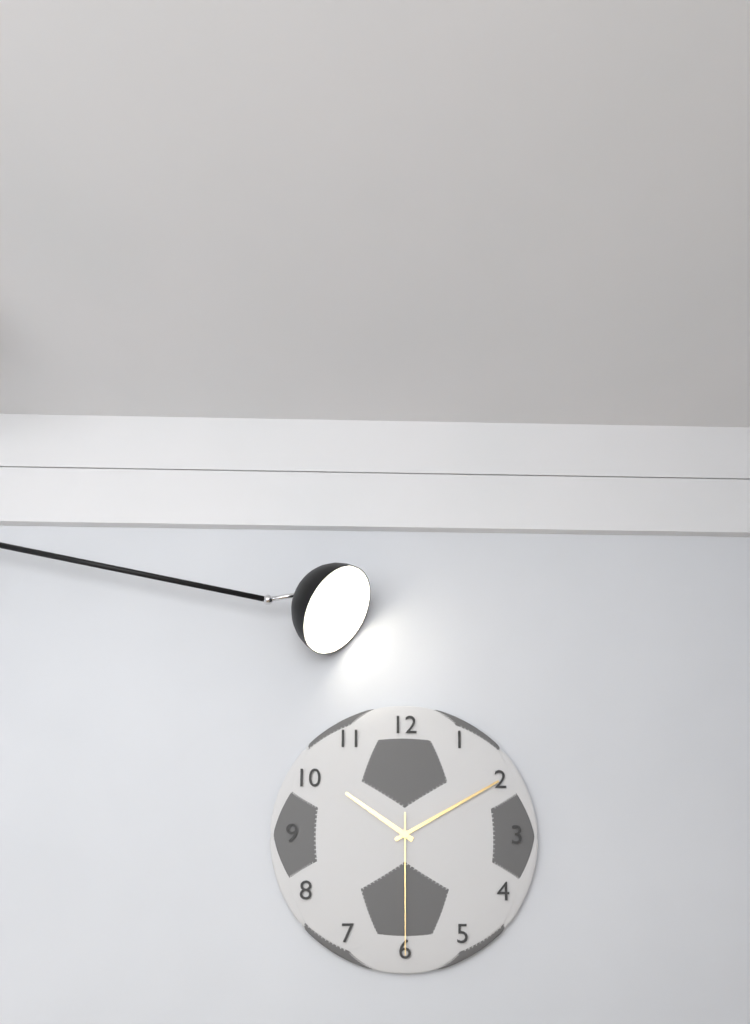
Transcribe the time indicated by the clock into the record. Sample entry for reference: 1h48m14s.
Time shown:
10h10m30s
